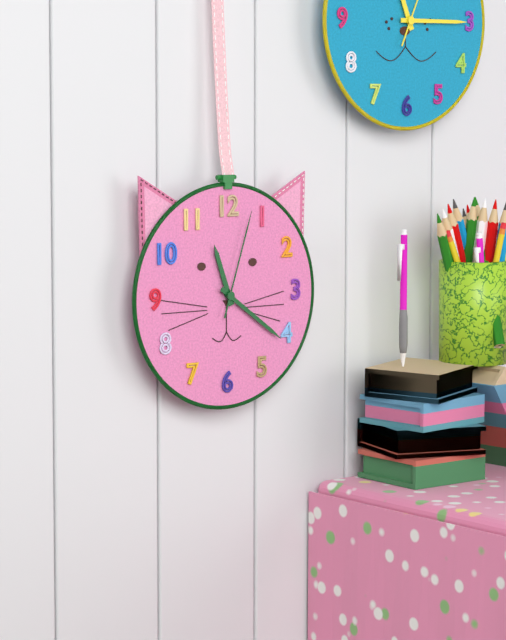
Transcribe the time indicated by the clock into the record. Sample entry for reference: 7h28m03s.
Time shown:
11h21m03s
